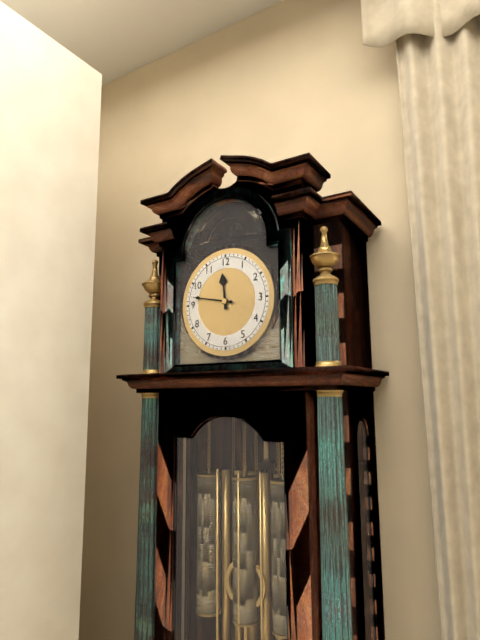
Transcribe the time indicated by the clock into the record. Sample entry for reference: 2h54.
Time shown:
11h47
